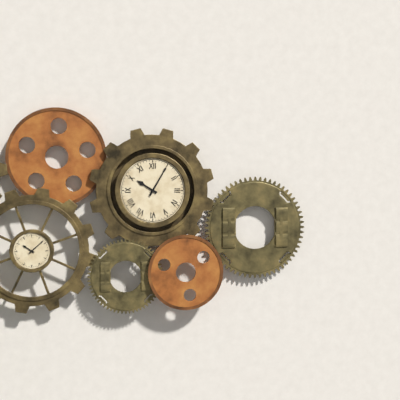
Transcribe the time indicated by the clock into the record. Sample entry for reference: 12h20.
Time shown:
10h05
